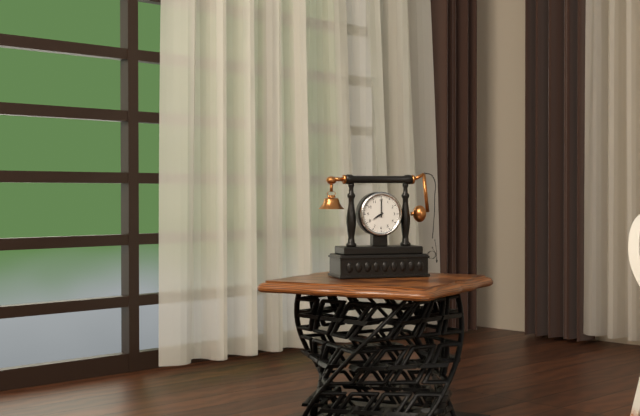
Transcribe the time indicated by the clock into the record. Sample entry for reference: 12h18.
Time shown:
8h00
